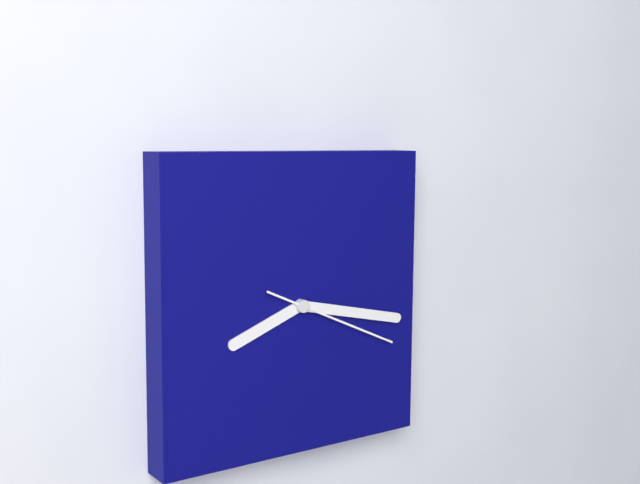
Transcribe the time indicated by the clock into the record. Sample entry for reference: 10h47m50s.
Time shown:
8h17m19s
